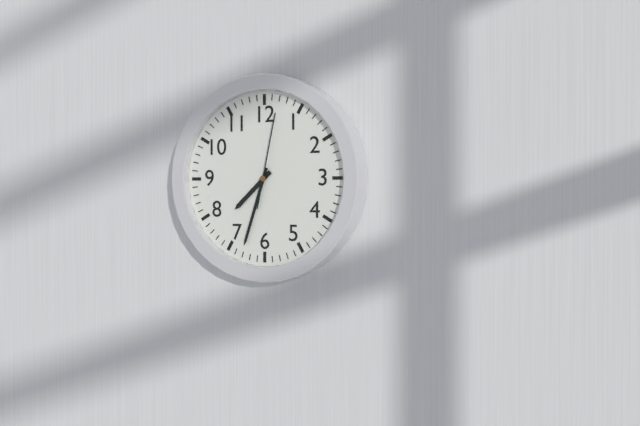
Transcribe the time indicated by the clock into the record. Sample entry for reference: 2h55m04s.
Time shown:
7h33m02s
